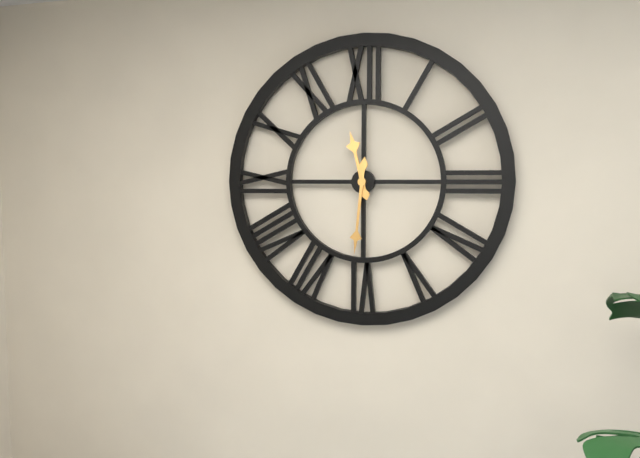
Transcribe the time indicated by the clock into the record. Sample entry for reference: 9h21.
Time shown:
11h31
